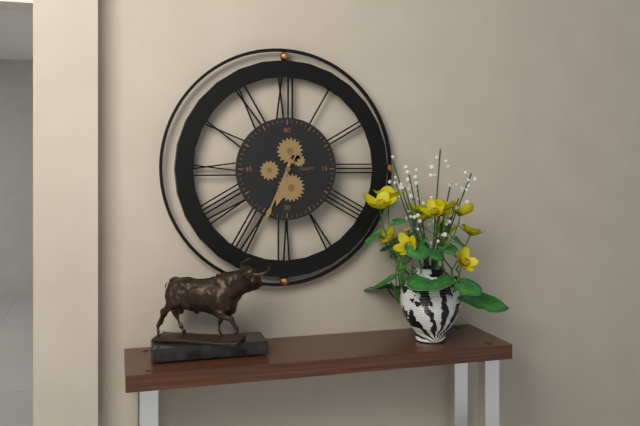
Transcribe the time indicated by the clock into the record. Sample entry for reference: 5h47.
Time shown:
6h34
